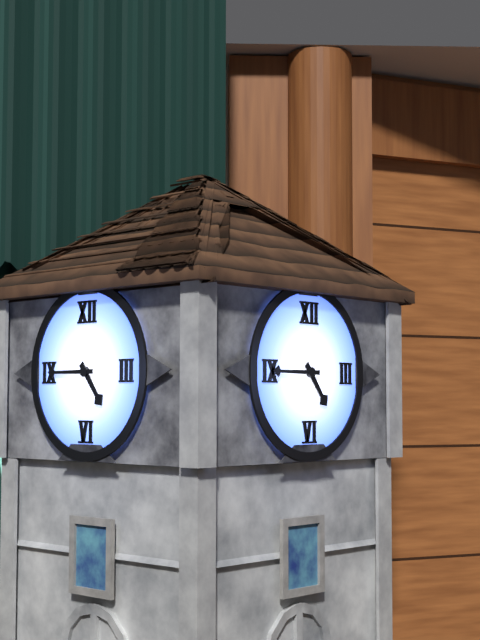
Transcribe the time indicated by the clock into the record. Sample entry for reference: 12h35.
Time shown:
4h45
